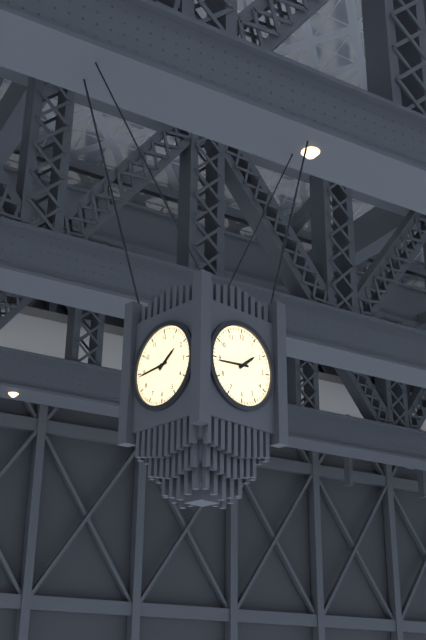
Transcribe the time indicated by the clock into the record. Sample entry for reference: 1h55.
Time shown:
1h44
